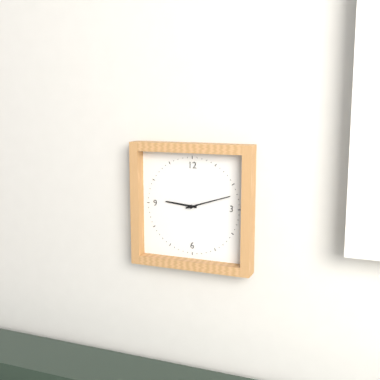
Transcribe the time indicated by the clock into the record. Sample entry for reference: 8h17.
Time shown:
9h12
